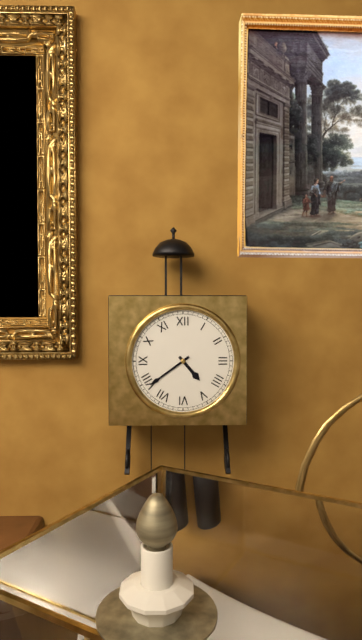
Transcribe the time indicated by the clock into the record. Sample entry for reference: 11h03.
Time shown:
4h39
